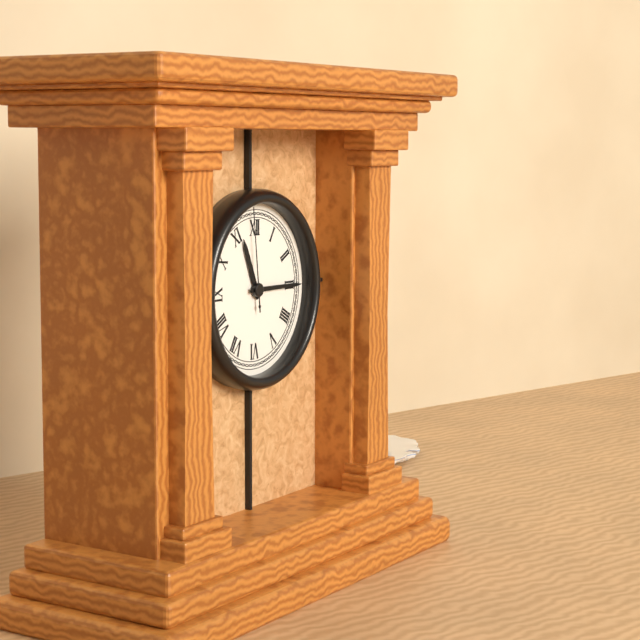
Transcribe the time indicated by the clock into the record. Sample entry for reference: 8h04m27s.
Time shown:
11h15m59s
